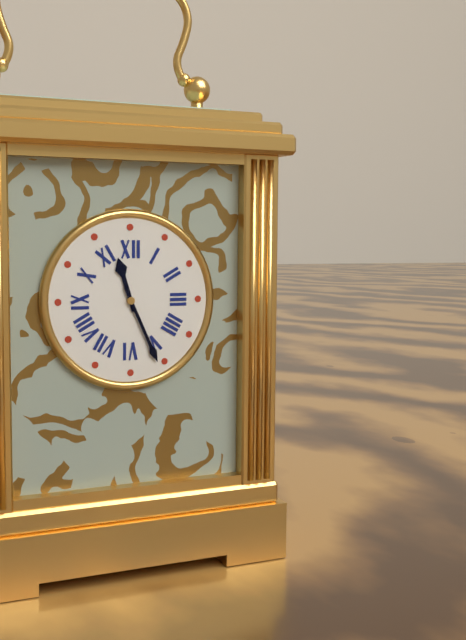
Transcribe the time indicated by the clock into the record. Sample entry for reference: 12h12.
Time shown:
11h26
